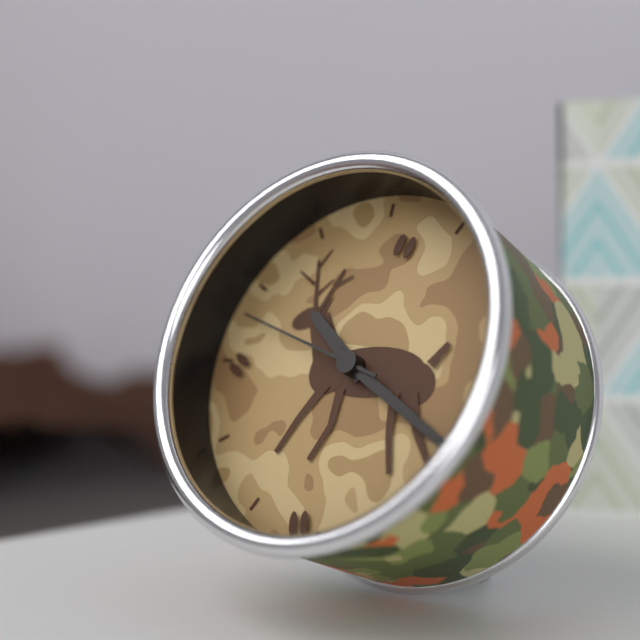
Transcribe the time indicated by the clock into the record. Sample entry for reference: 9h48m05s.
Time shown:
10h20m48s
